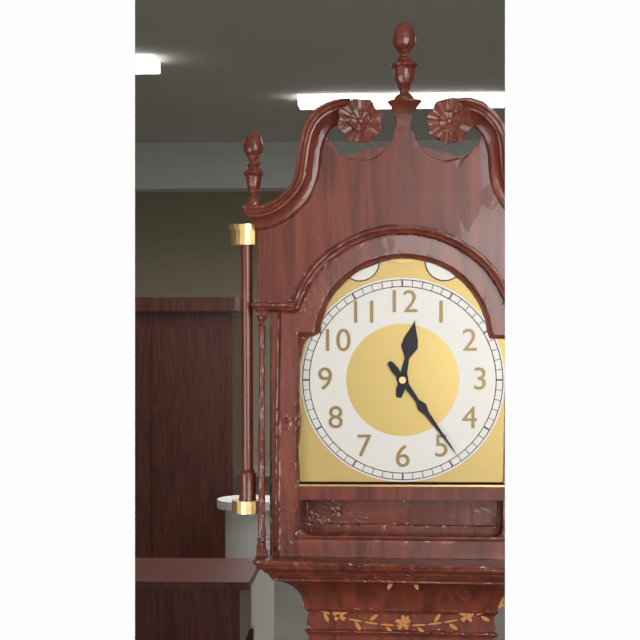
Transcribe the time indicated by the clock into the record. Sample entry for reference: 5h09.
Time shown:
12h24
